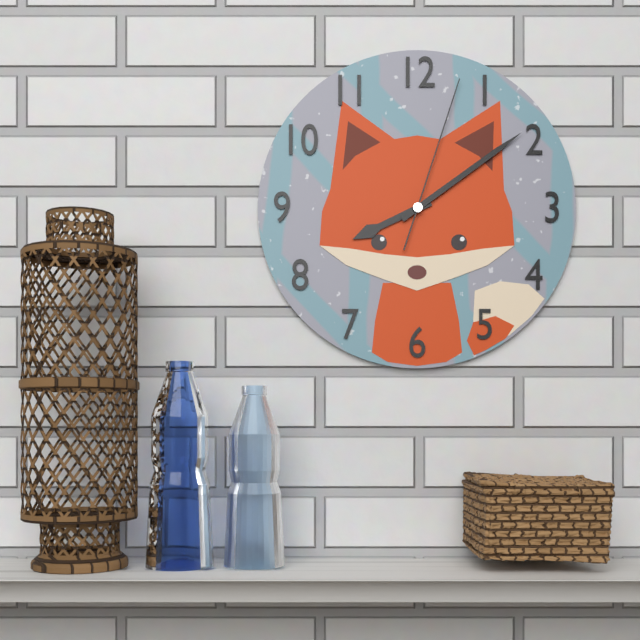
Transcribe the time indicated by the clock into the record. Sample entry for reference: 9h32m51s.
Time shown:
8h09m03s
